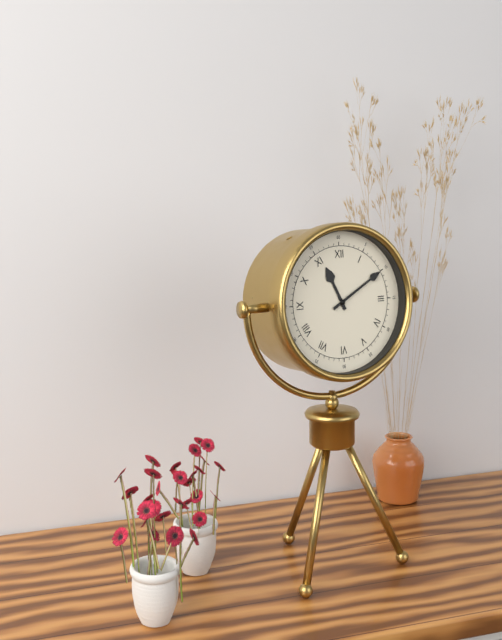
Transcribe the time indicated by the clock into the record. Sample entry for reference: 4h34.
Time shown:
11h10
